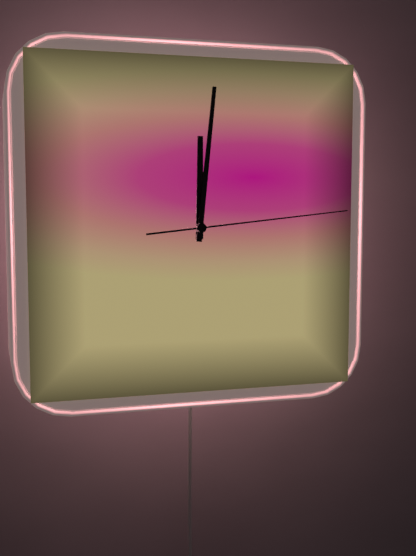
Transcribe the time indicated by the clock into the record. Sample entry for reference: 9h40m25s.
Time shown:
12h01m14s
